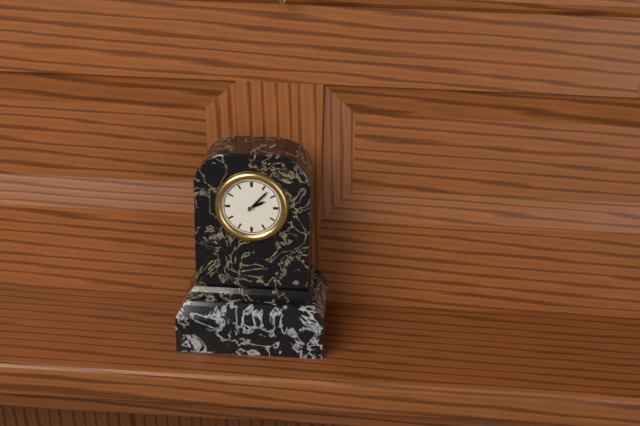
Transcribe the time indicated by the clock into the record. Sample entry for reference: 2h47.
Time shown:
2h07
